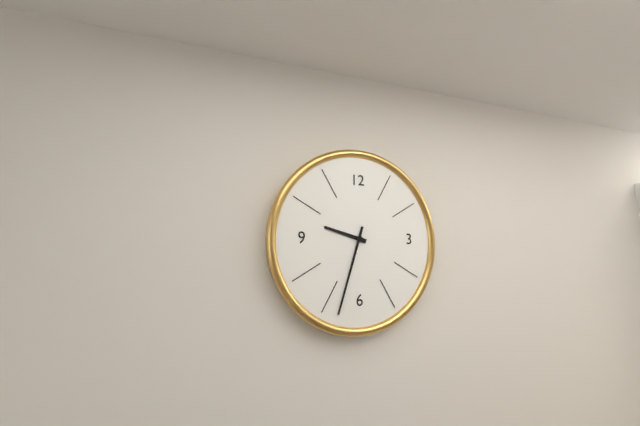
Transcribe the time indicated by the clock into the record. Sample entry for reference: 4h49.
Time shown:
9h33
